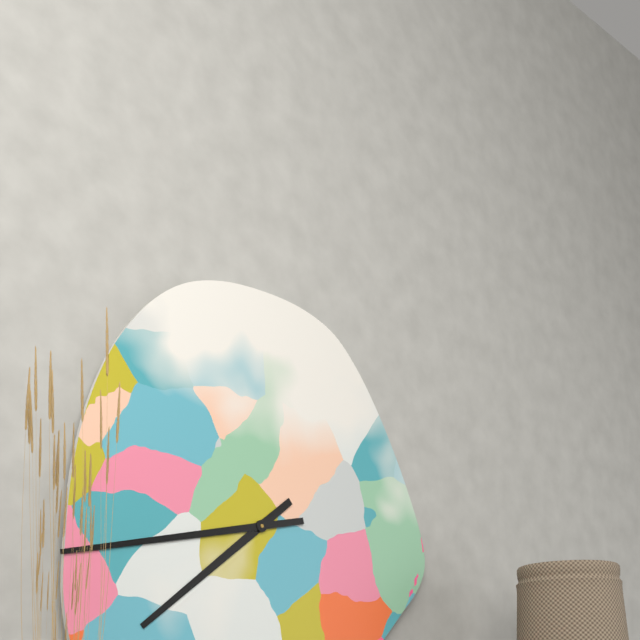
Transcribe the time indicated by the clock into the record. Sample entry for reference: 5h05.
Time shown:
7h43
